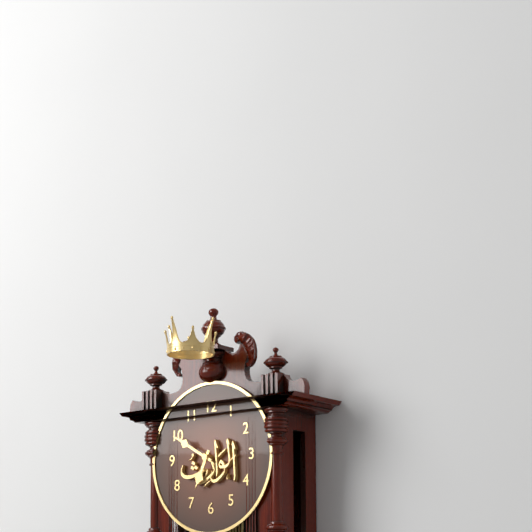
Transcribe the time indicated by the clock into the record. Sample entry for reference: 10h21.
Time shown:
6h50
